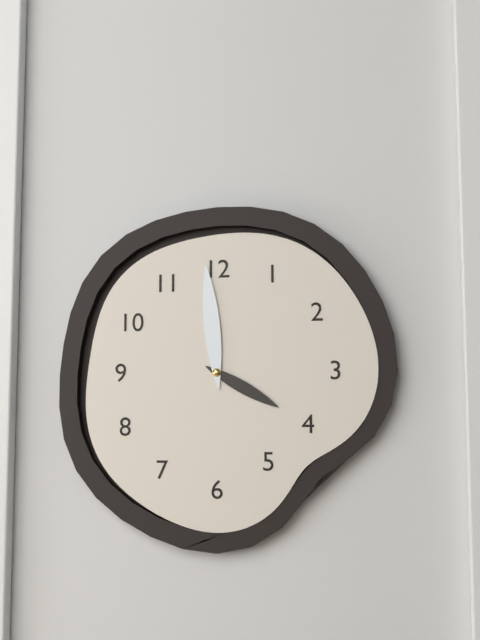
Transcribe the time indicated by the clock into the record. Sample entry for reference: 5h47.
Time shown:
3h59
